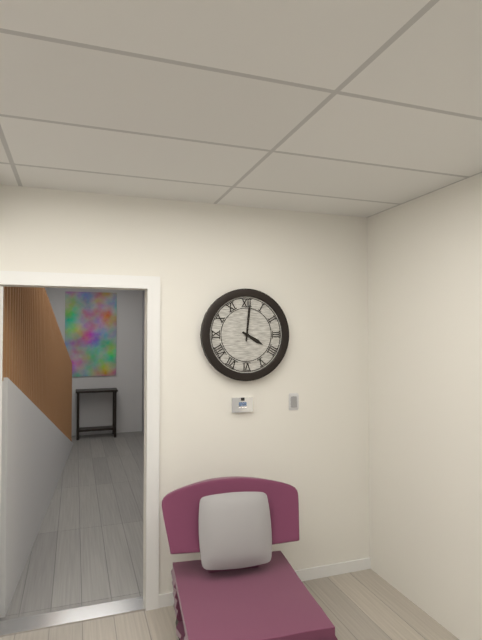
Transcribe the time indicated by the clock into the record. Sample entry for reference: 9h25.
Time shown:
4h01
